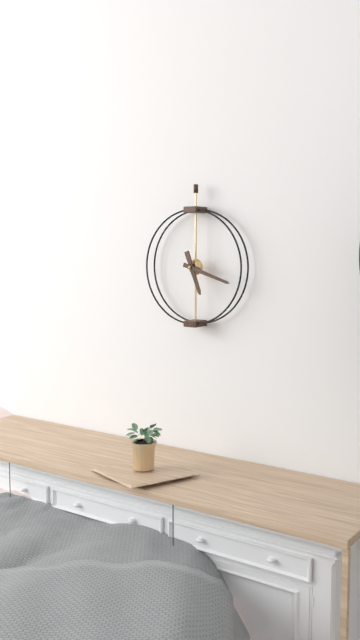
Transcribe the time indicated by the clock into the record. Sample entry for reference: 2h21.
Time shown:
5h18
